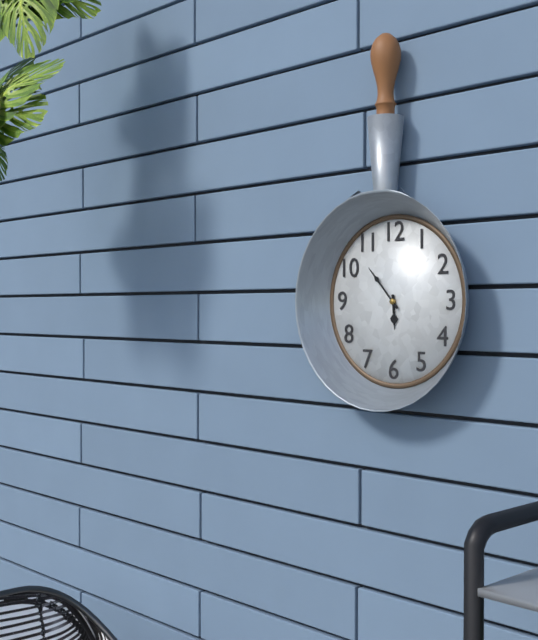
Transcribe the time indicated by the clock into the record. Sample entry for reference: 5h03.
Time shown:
5h53
